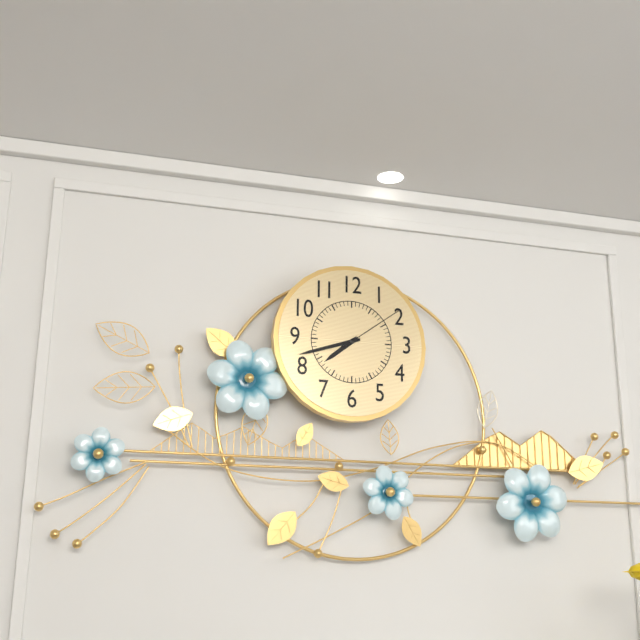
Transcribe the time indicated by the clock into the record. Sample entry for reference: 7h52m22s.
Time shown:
7h42m09s
